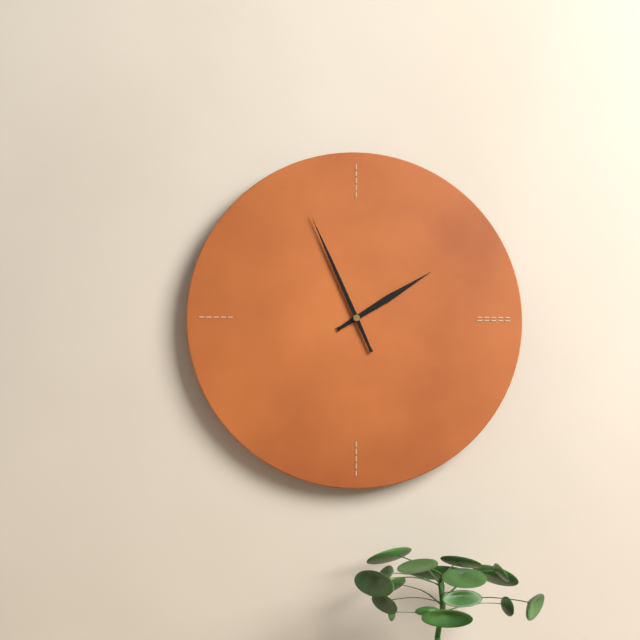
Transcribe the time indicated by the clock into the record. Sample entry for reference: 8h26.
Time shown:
1h56
